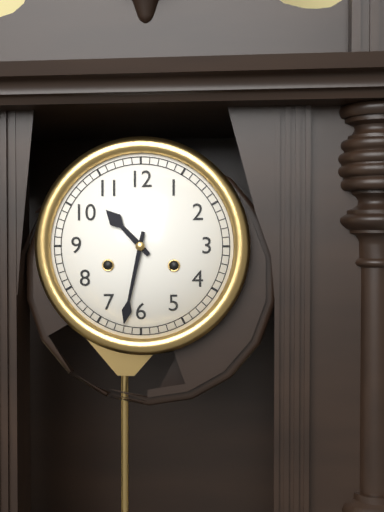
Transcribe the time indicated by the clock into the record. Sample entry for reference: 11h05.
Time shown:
10h32
